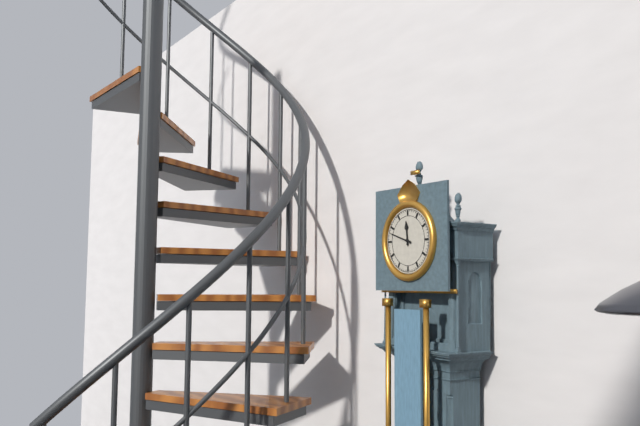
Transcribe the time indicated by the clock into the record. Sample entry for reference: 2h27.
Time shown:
11h48
